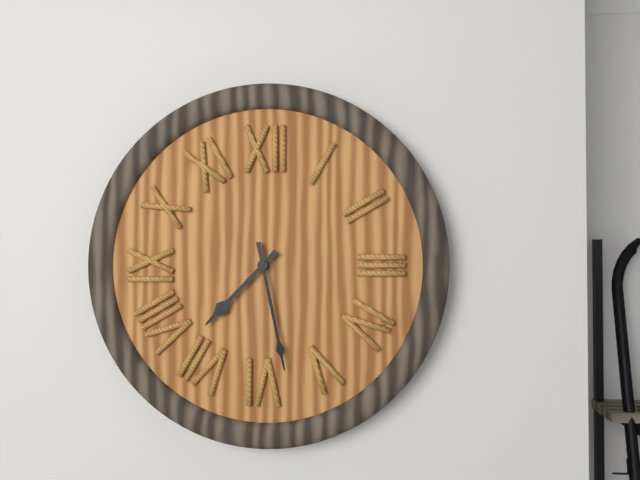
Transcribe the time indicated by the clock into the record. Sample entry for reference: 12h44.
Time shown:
7h28
